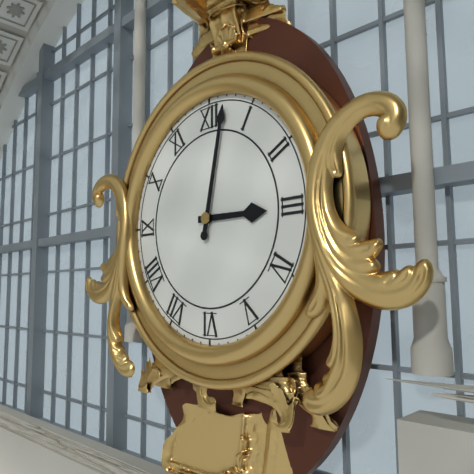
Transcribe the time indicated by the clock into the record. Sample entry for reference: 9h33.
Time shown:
3h02
